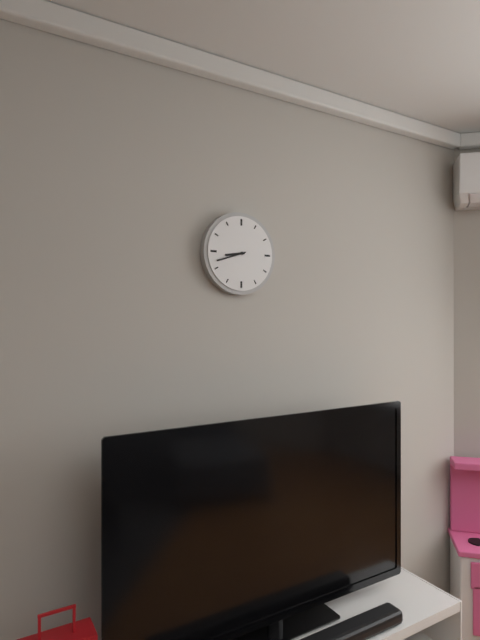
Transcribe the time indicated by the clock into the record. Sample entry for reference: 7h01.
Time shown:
8h42
